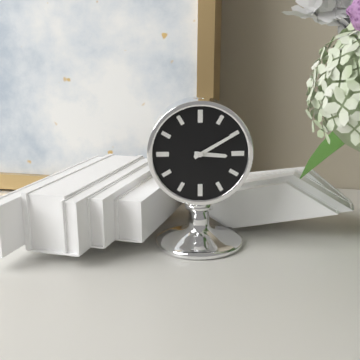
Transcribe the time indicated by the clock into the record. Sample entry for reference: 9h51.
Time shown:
3h10
